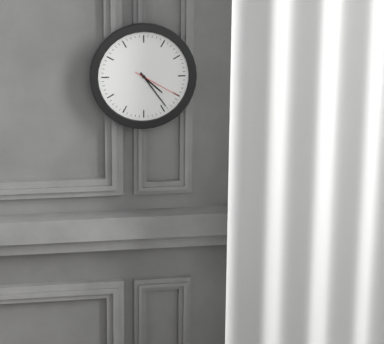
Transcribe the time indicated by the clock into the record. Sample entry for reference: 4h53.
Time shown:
4h24
